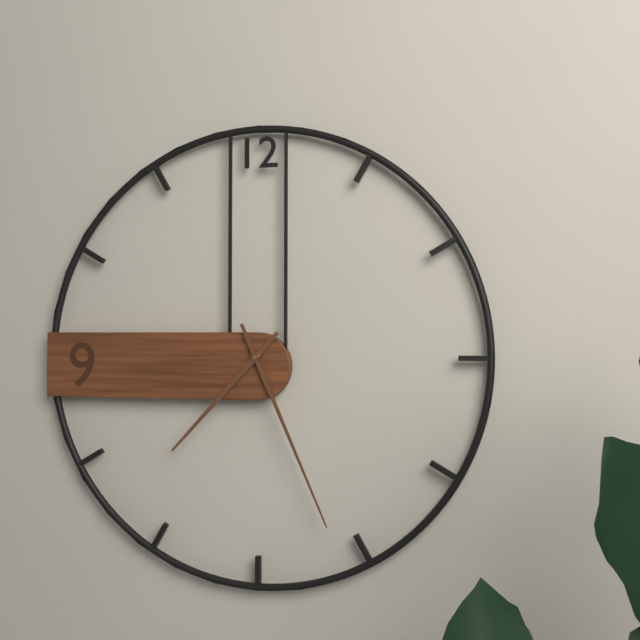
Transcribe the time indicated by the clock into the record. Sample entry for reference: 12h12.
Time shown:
7h26
